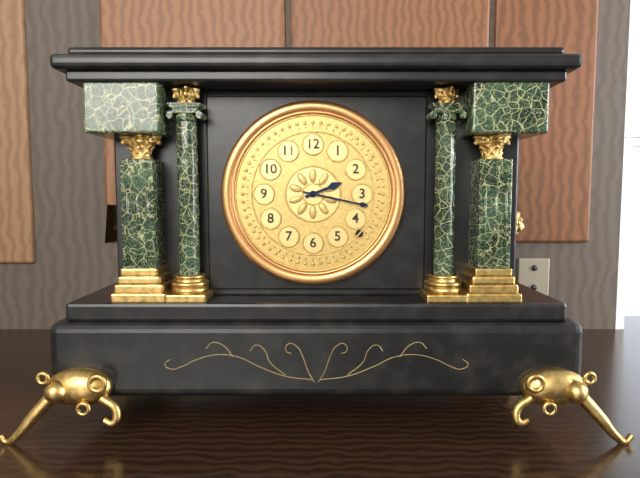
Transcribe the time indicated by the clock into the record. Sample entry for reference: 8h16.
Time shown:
2h17
